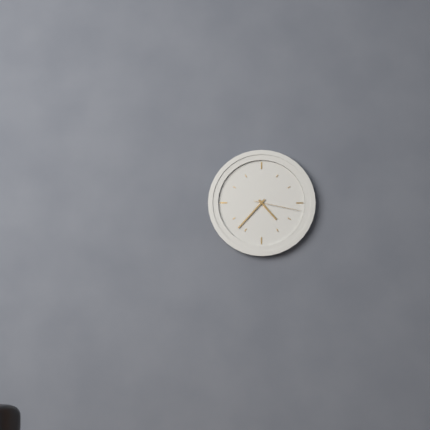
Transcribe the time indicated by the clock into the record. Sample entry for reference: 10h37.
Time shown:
4h37
